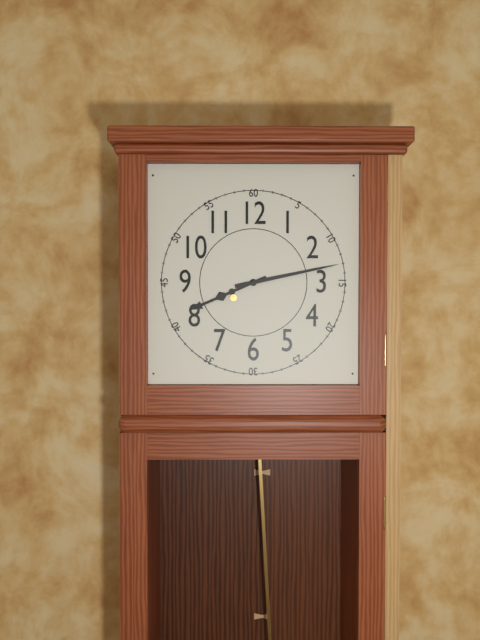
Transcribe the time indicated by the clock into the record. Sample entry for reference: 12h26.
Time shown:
8h13
